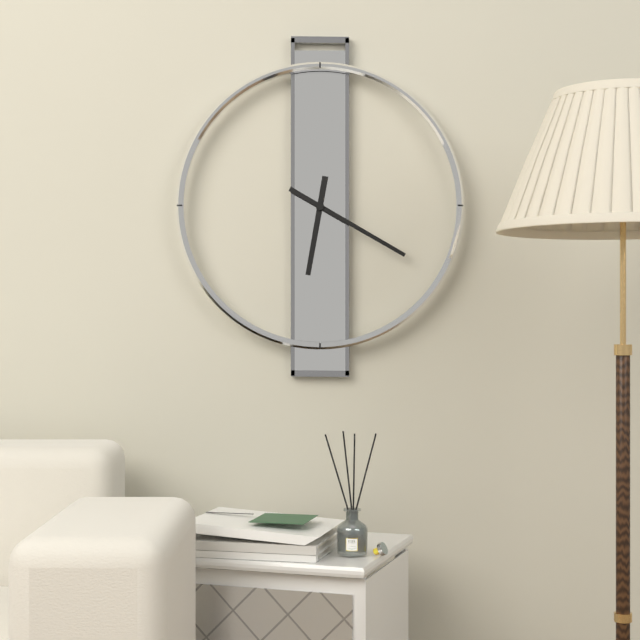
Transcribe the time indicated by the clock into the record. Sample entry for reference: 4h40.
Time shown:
6h20
